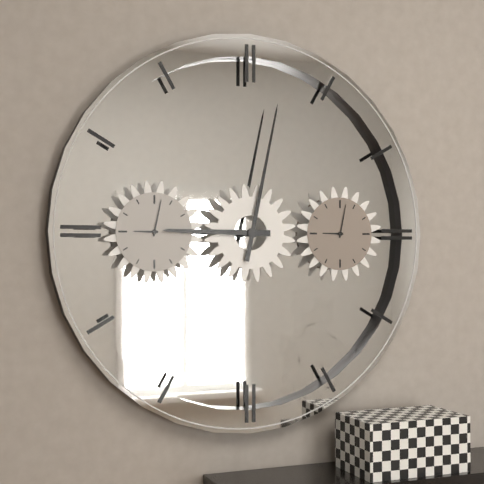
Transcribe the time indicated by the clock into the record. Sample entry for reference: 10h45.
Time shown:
9h02
